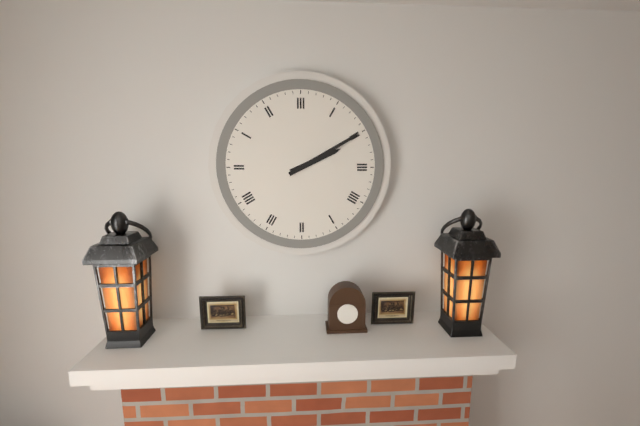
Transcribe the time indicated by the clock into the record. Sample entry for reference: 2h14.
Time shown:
2h10
